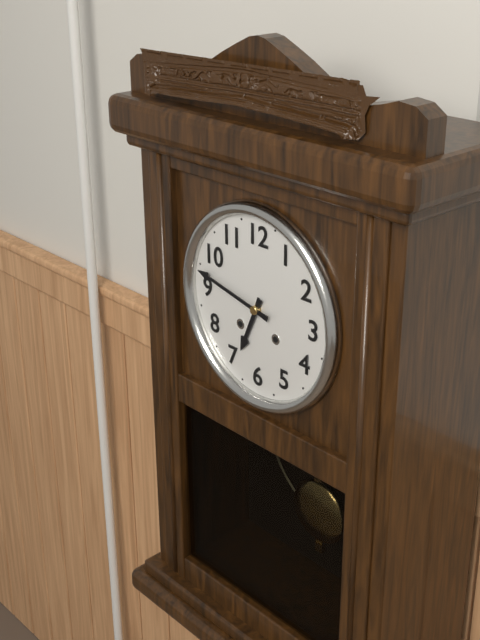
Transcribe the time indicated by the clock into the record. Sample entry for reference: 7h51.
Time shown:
6h47
